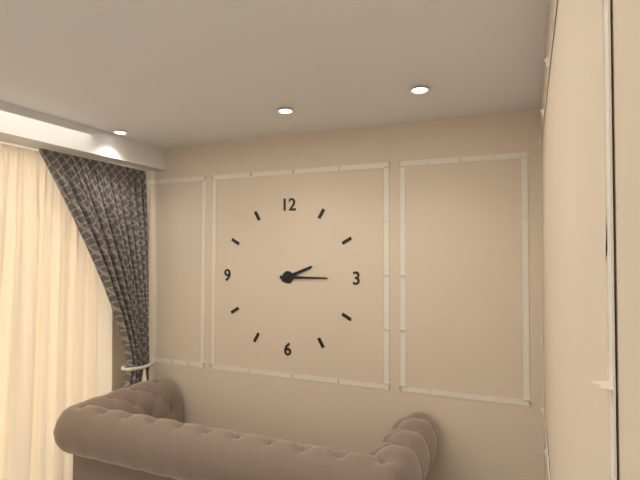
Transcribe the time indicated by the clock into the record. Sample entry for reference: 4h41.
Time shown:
2h15
